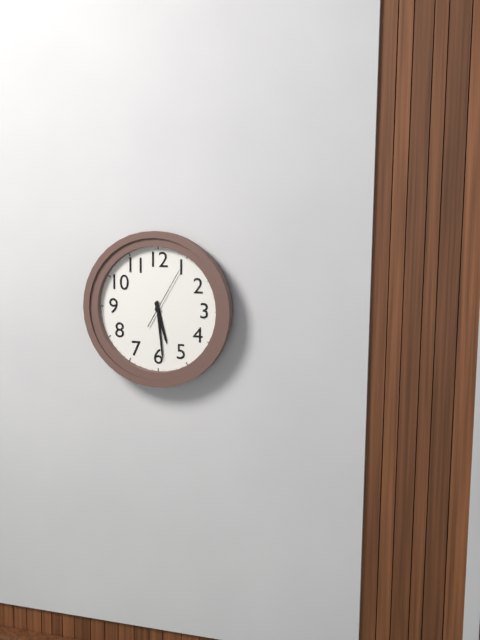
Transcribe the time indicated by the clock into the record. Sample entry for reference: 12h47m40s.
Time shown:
5h29m05s
